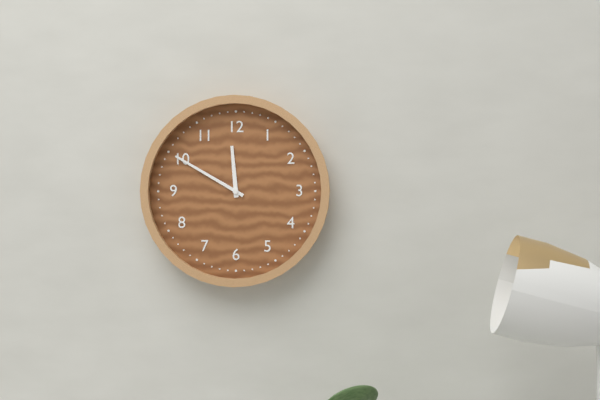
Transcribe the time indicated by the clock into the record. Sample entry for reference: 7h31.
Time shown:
11h50
